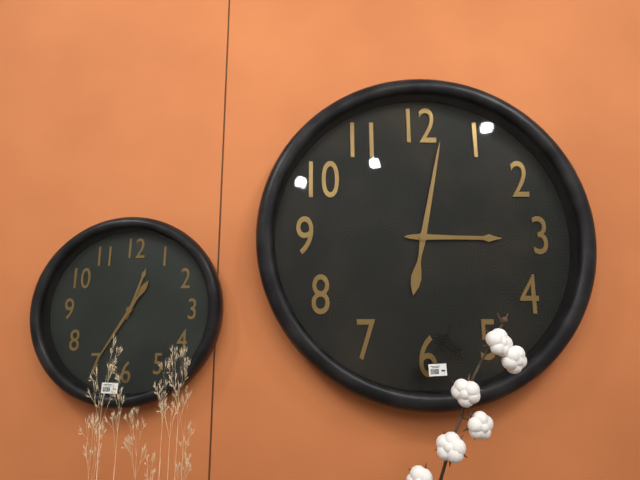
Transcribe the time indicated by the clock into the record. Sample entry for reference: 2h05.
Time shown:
3h02
